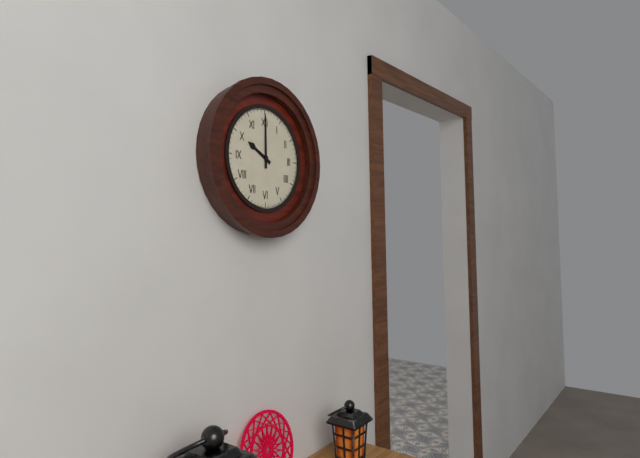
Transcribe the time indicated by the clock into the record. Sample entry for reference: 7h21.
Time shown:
10h00
